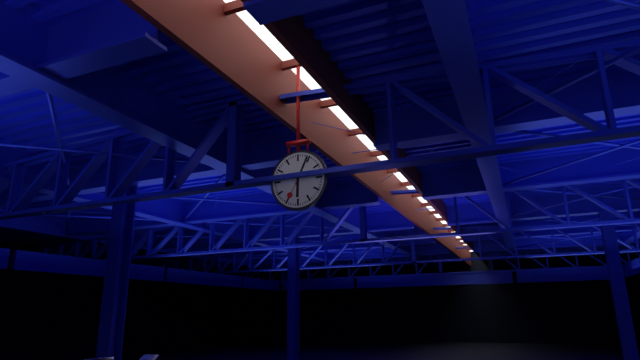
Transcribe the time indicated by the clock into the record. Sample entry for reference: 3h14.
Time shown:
6h04
